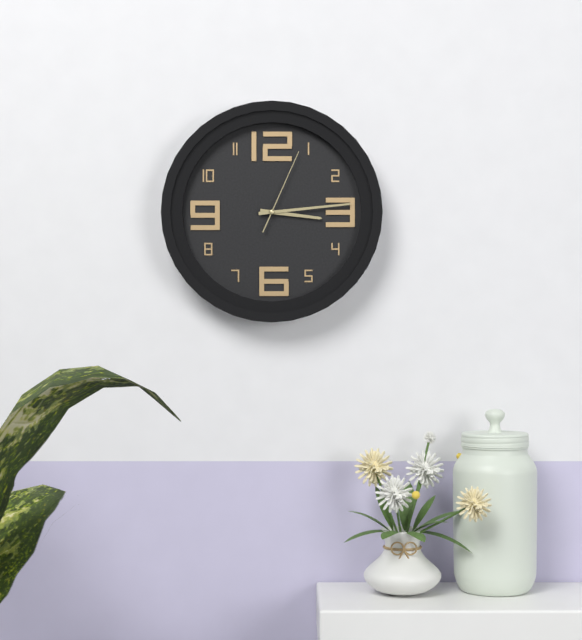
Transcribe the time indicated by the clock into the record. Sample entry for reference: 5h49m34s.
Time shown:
3h14m04s
